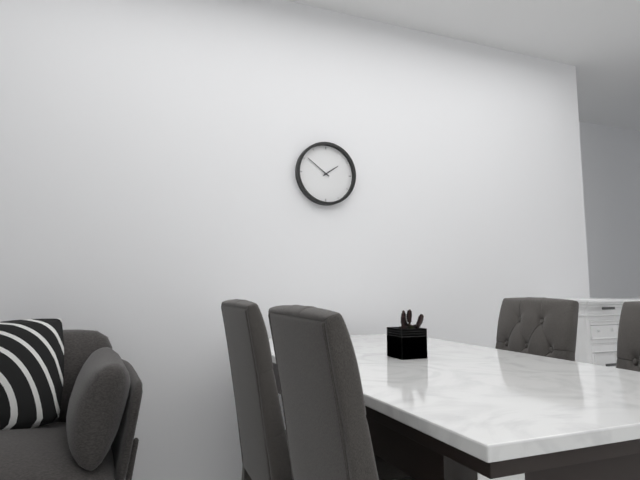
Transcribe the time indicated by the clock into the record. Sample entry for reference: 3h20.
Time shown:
1h51
